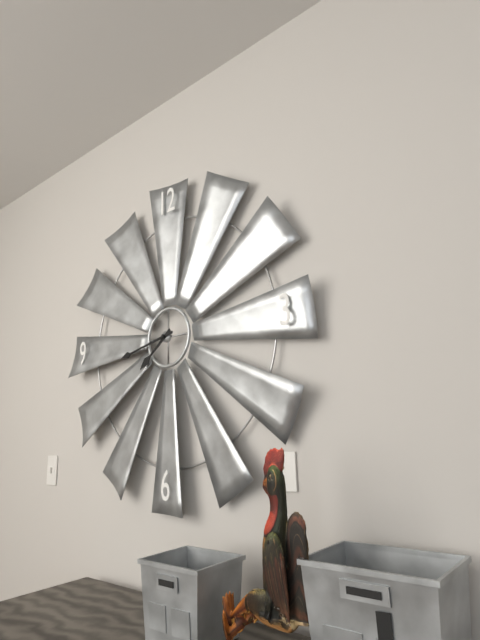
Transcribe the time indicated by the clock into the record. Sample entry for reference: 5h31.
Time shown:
7h43
